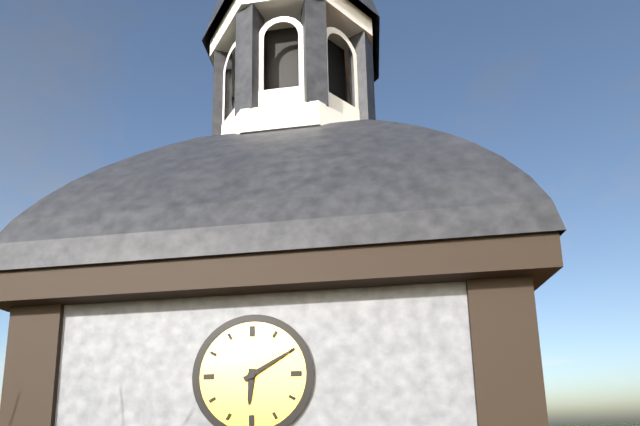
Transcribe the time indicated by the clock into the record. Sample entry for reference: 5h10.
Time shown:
6h10
